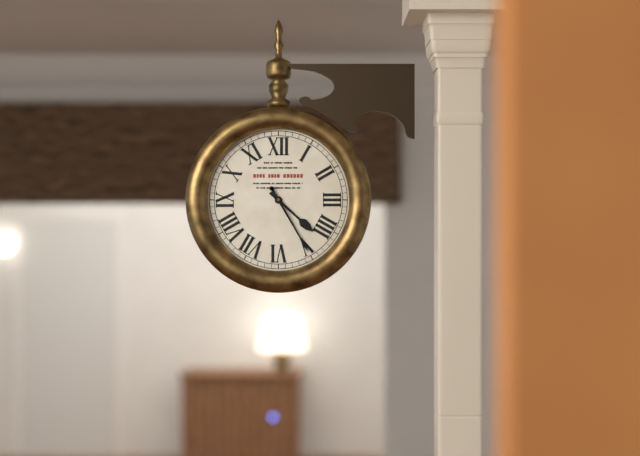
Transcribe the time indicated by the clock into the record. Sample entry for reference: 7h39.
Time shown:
4h25
